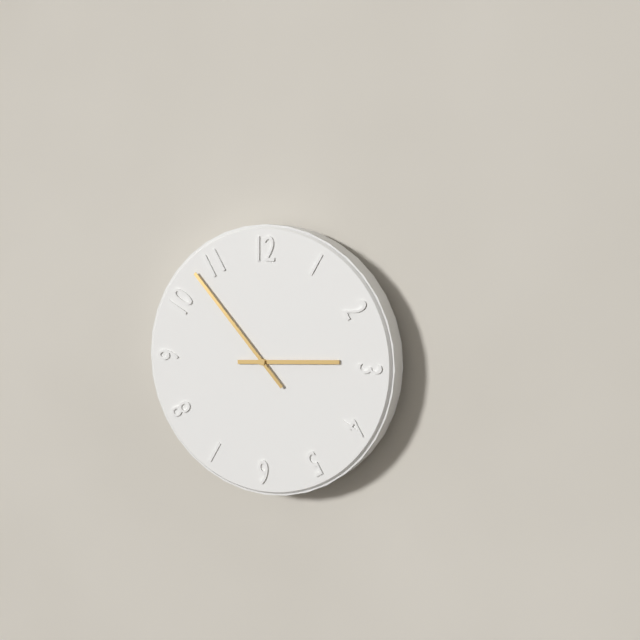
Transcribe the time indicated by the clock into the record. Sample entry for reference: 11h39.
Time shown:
2h53
